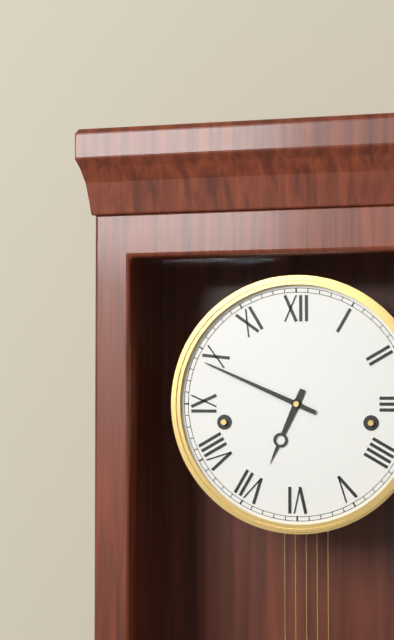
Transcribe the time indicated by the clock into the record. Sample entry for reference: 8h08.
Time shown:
6h49
